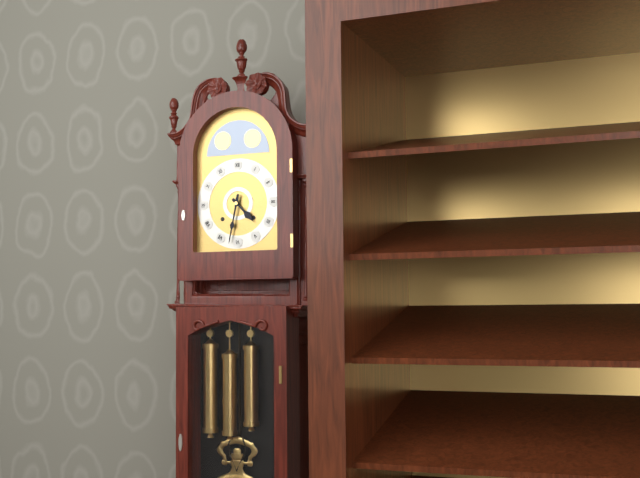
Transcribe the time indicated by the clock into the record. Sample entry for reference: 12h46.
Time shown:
4h32
